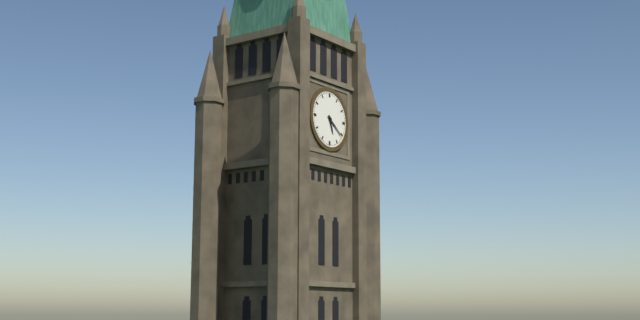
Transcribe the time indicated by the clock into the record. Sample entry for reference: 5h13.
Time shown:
5h21
